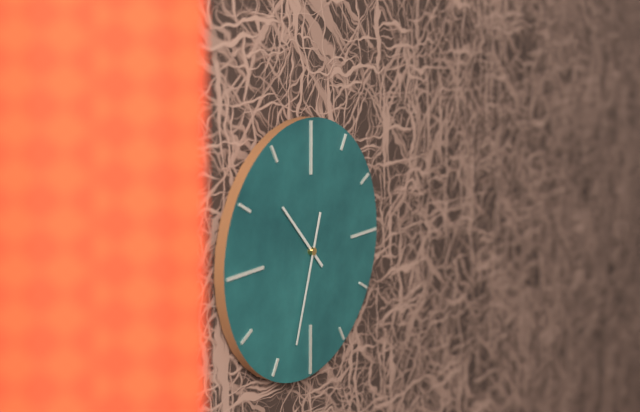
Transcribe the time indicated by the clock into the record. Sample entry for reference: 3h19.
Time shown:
10h33
